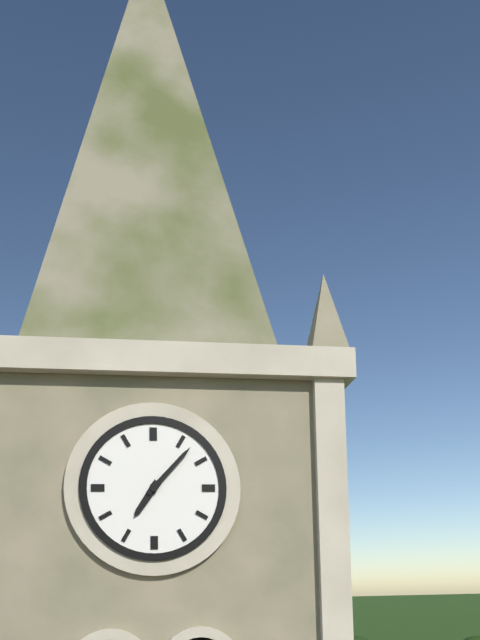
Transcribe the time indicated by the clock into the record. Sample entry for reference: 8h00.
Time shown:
7h07
